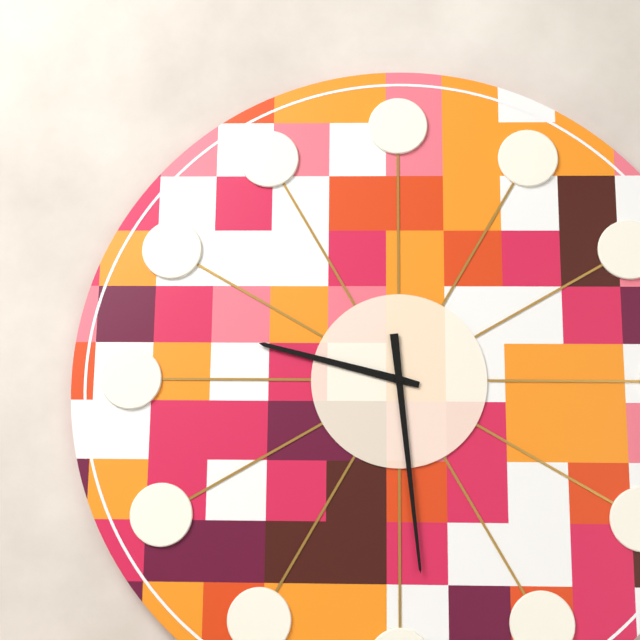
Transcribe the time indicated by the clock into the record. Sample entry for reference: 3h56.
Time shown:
9h29
